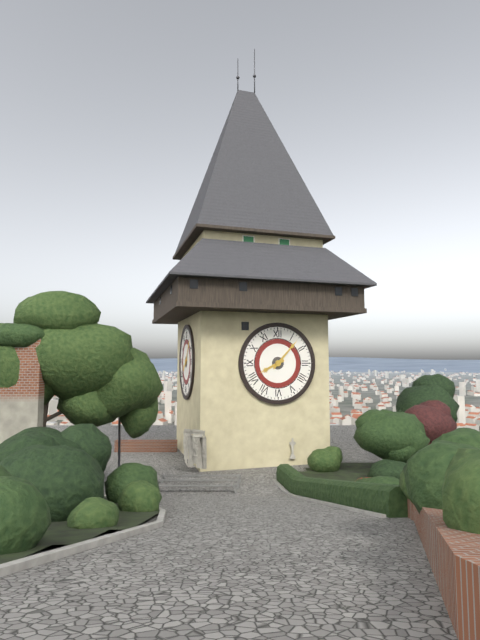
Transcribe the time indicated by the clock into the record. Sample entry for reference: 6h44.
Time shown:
8h07
